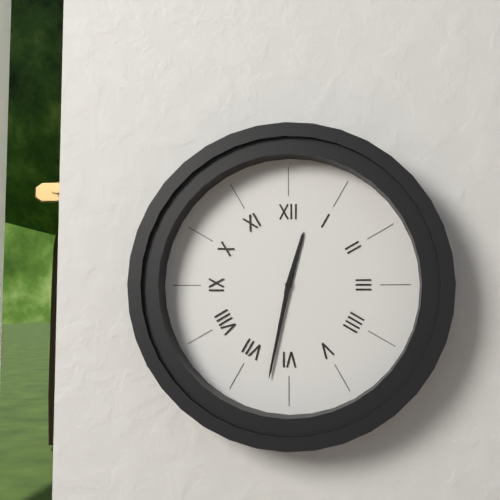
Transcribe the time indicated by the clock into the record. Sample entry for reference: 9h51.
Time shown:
12h32
